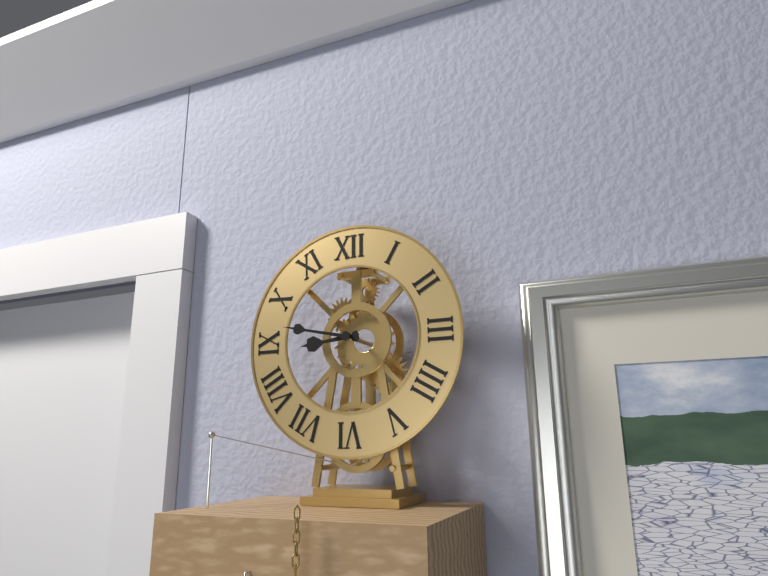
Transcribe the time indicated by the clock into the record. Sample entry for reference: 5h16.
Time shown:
8h47
